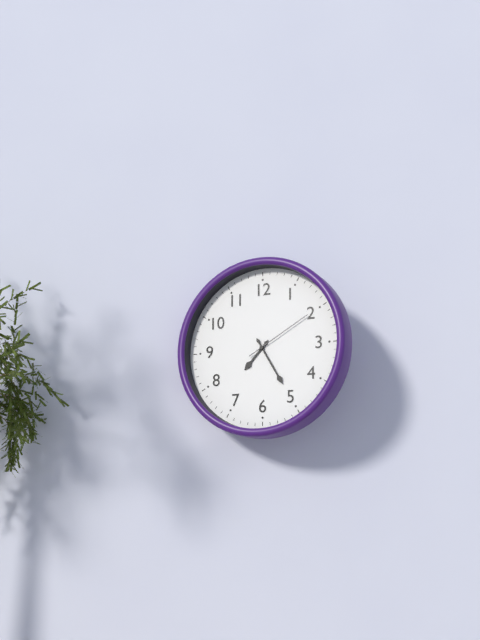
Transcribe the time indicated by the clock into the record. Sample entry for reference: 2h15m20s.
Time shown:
7h25m10s
